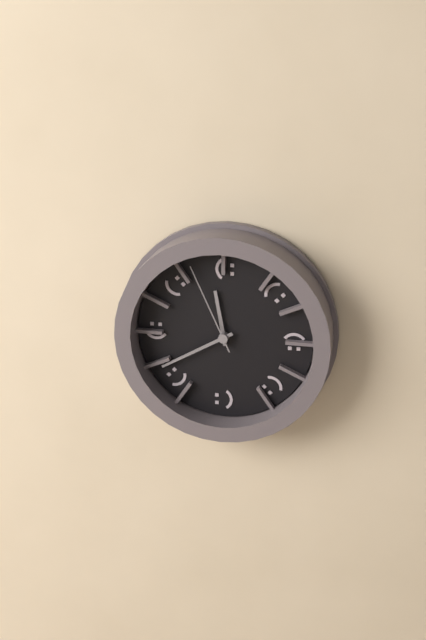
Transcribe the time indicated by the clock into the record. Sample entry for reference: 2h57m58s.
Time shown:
11h40m56s
